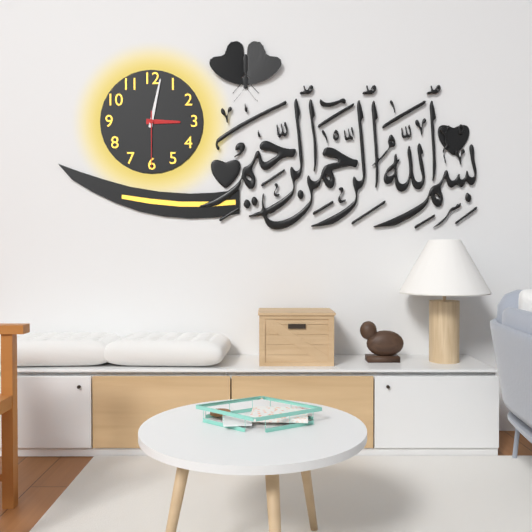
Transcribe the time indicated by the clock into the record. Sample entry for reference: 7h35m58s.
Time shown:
3h02m30s
